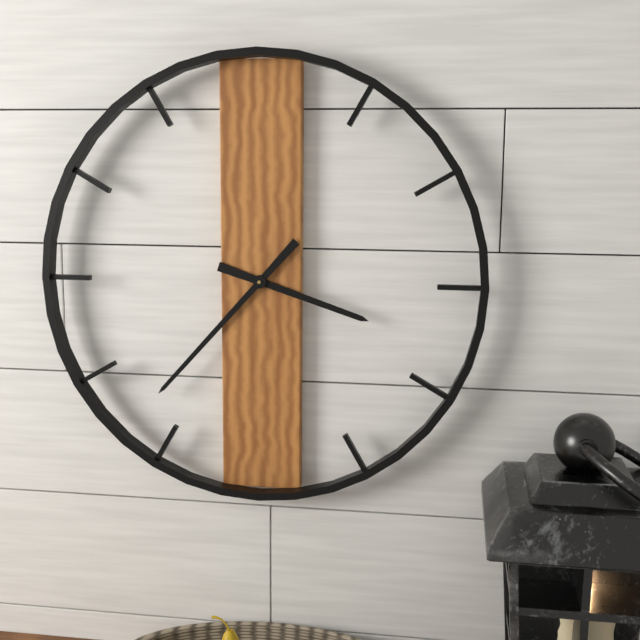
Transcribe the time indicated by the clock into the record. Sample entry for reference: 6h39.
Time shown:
3h37
